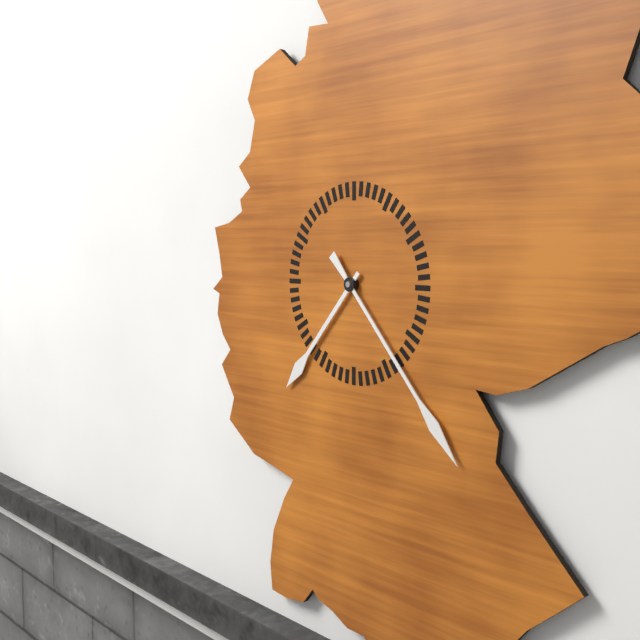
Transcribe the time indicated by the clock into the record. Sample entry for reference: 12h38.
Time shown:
7h23
